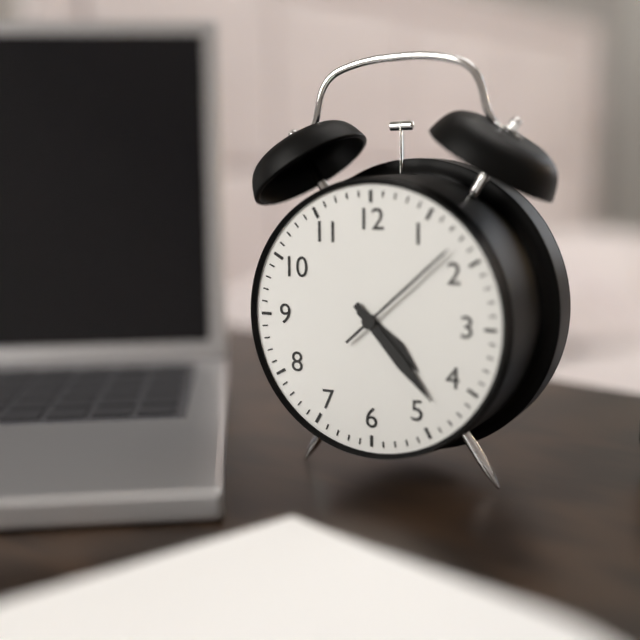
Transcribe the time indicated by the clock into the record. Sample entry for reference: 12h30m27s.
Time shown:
4h23m08s
